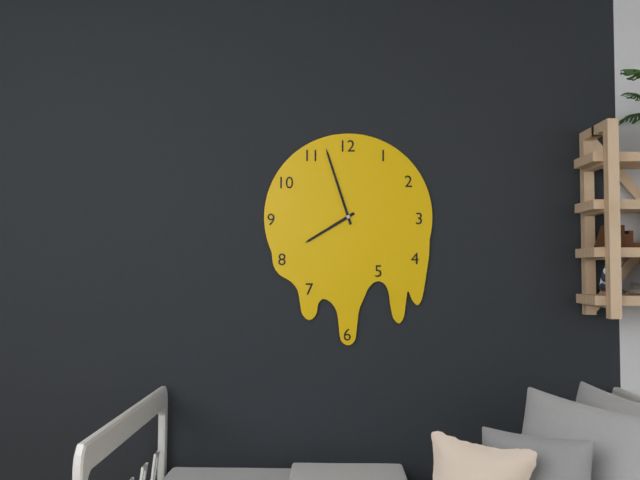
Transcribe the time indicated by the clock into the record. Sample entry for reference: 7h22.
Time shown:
7h57
